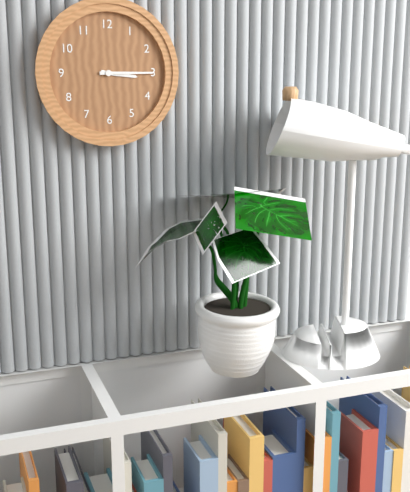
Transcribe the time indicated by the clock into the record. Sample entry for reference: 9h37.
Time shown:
3h15
